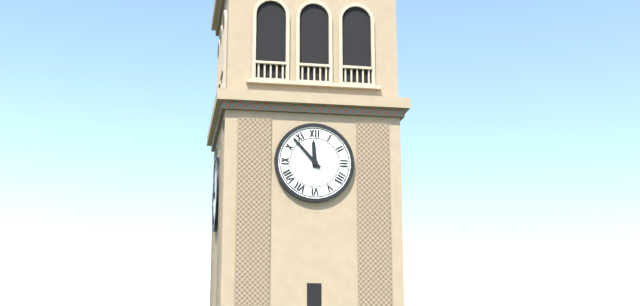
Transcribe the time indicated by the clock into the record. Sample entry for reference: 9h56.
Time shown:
11h53
